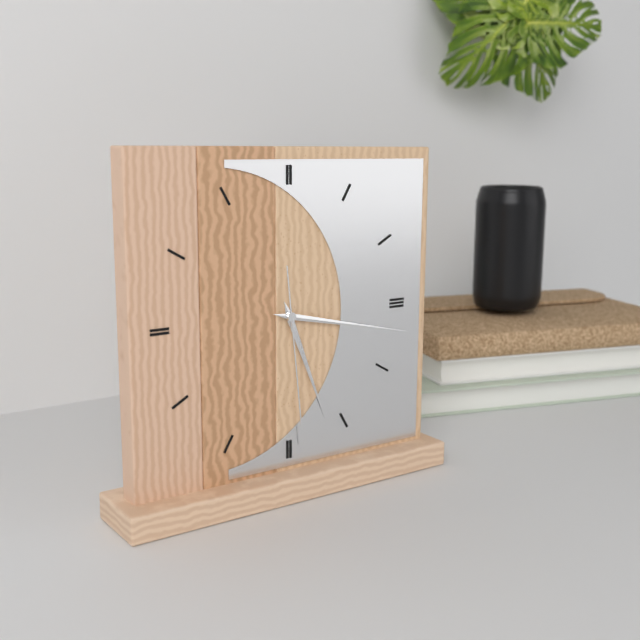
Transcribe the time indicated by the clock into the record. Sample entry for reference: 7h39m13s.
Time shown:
5h17m29s
